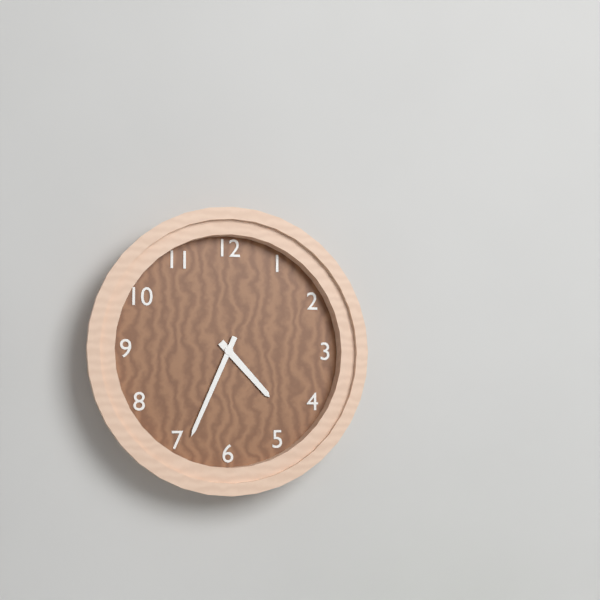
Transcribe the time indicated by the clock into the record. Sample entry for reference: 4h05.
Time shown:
4h34
